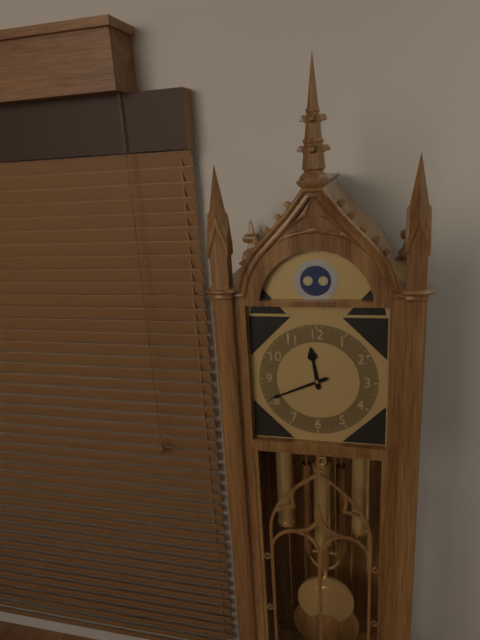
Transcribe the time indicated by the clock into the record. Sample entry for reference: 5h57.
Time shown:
11h41
